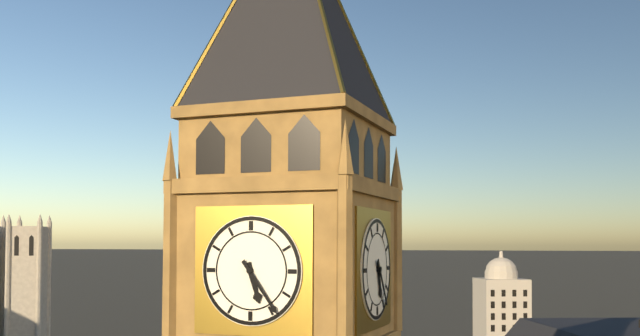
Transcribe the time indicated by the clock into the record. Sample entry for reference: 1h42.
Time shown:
5h24
